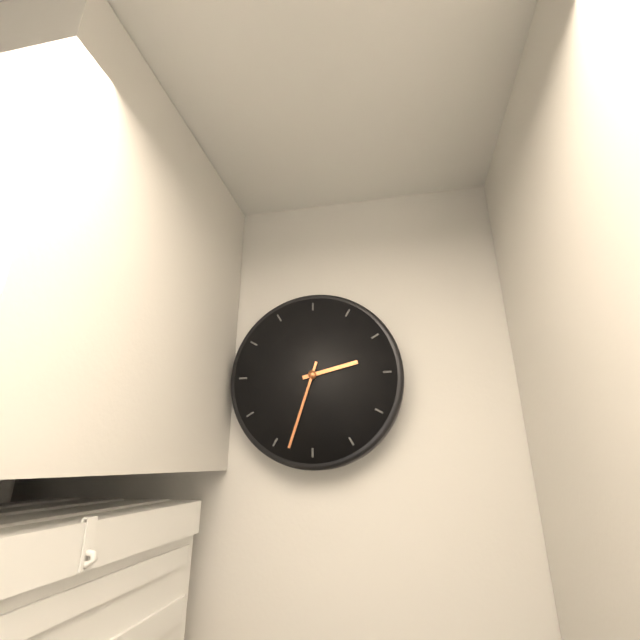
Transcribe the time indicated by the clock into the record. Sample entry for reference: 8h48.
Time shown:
2h33
